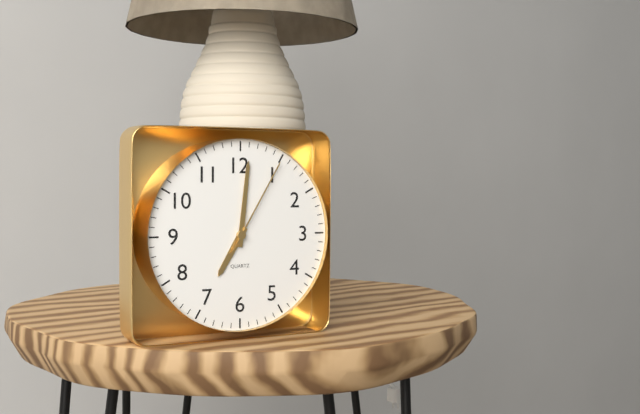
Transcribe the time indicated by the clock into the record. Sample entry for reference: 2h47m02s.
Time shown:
7h01m05s
